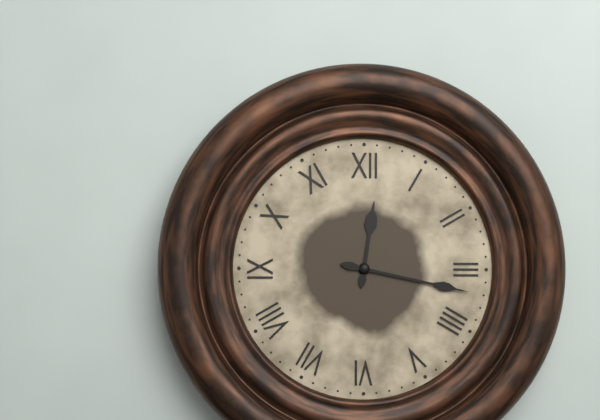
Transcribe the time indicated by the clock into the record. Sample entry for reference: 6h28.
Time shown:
12h17
